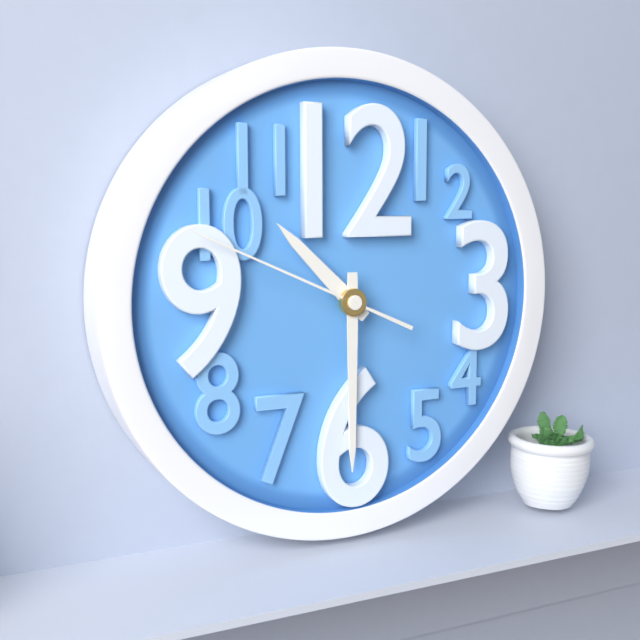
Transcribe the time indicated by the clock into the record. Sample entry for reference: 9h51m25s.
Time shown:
10h30m49s
